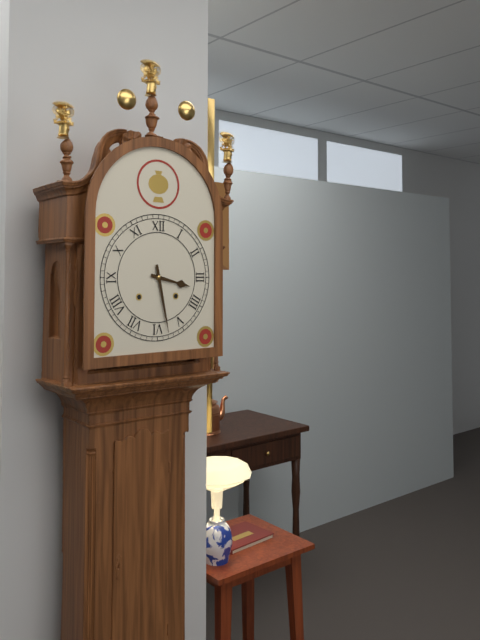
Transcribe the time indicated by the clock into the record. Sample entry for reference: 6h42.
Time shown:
3h28
